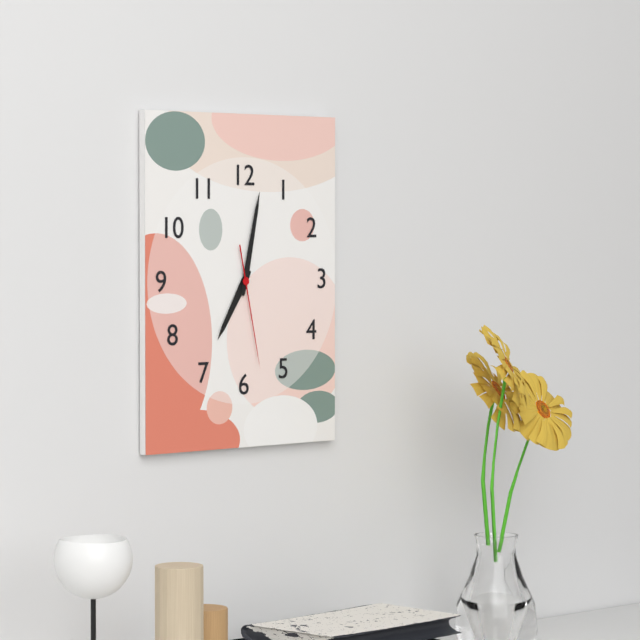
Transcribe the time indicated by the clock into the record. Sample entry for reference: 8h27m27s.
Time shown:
7h02m28s
